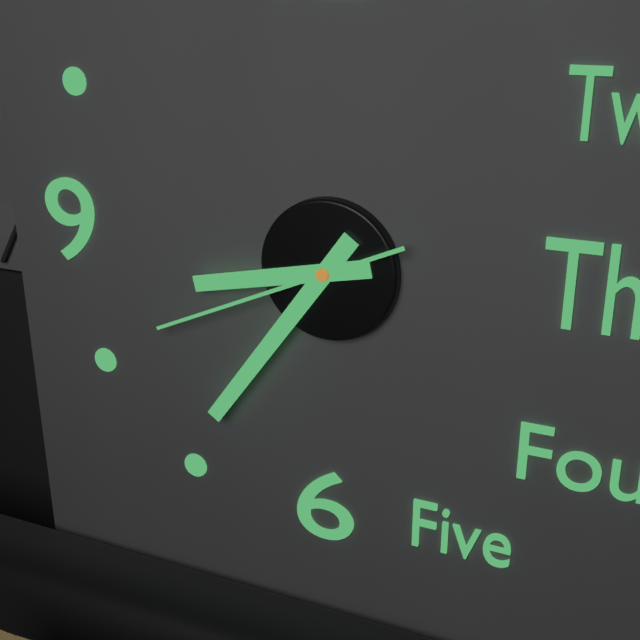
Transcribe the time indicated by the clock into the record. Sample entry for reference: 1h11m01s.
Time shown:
8h36m41s
